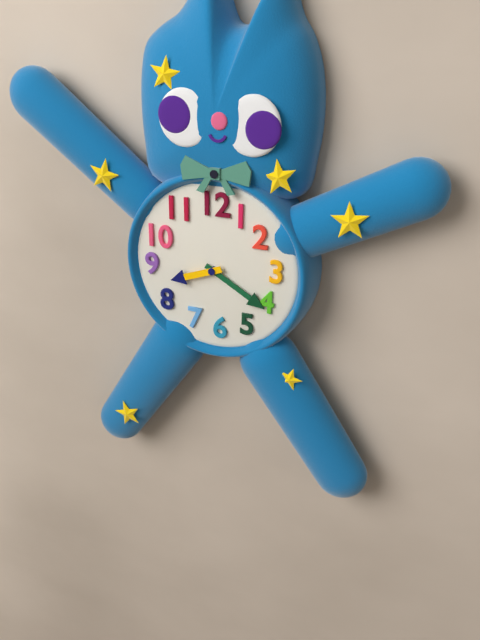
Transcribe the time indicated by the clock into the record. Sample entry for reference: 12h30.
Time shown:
8h20
